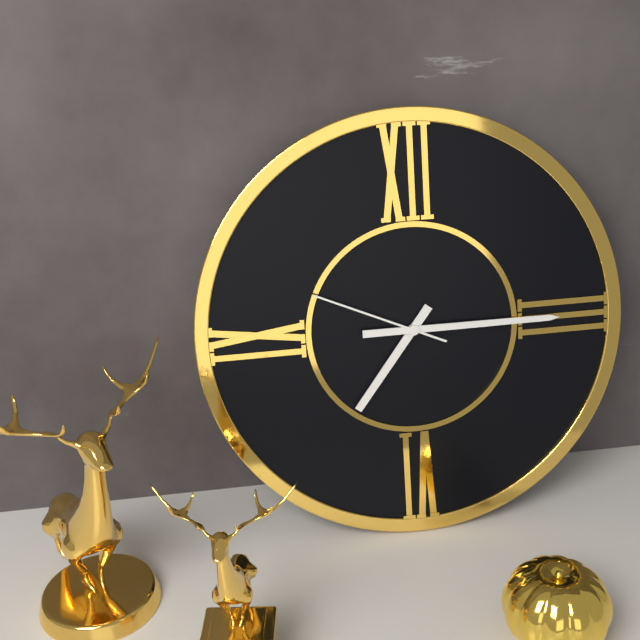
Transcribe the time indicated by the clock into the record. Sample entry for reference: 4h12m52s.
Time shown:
7h15m49s
